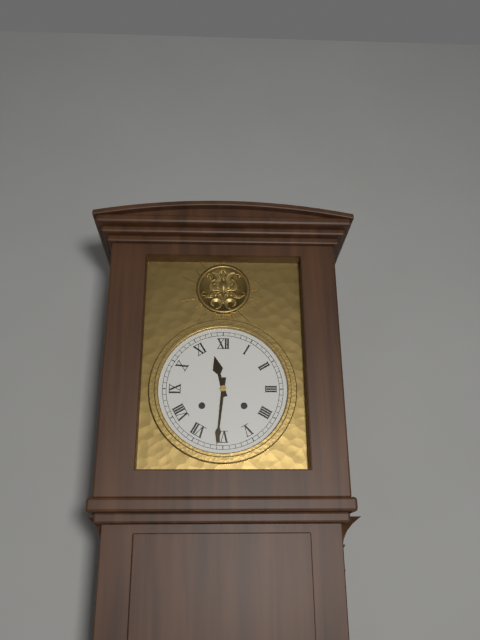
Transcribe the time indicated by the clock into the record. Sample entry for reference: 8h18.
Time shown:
11h31
